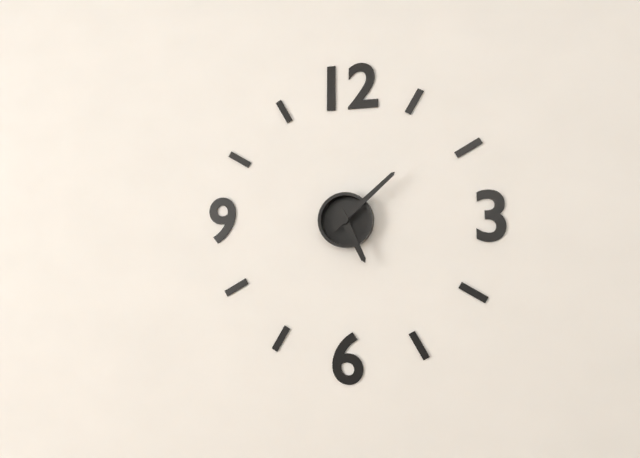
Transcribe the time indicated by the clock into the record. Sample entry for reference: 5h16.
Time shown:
5h08
